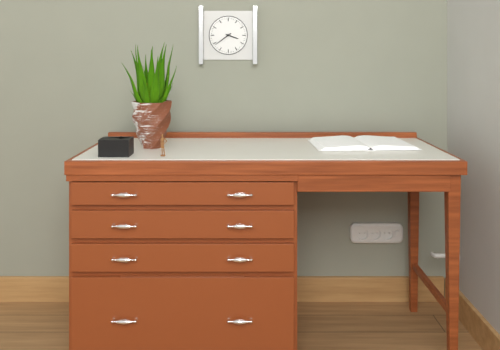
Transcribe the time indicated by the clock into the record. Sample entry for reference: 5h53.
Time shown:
3h39
